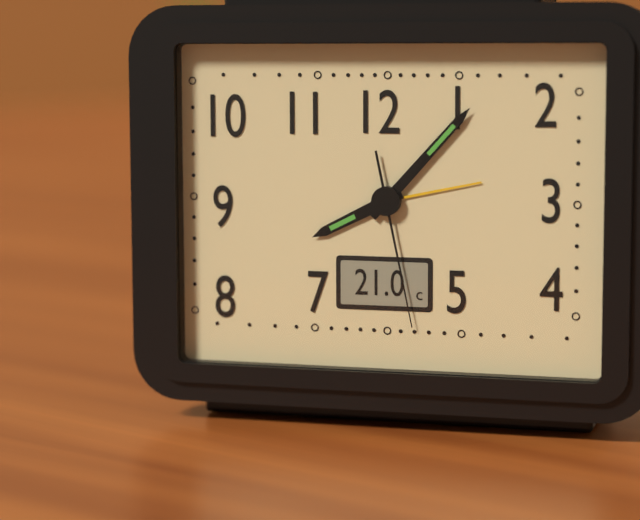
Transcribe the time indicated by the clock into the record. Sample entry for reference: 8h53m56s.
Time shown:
8h07m28s
